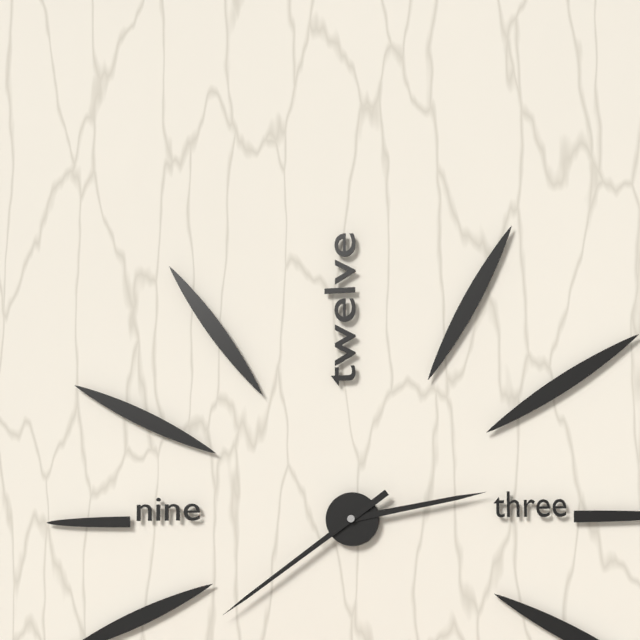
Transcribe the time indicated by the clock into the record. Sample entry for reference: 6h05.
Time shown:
2h39
